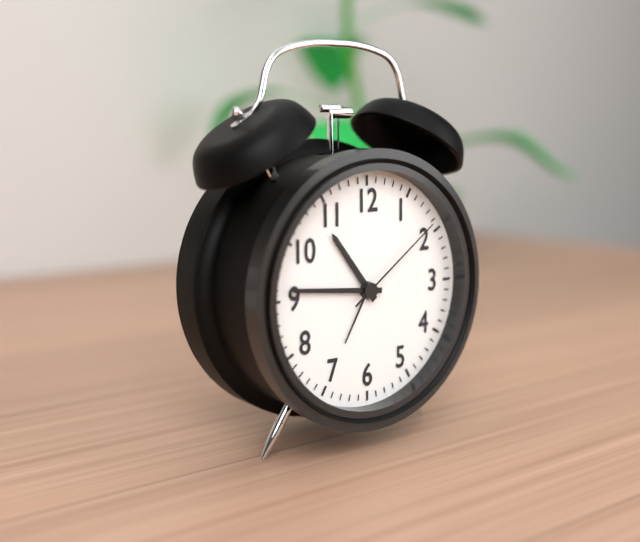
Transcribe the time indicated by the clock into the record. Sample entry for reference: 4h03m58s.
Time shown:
10h46m09s
